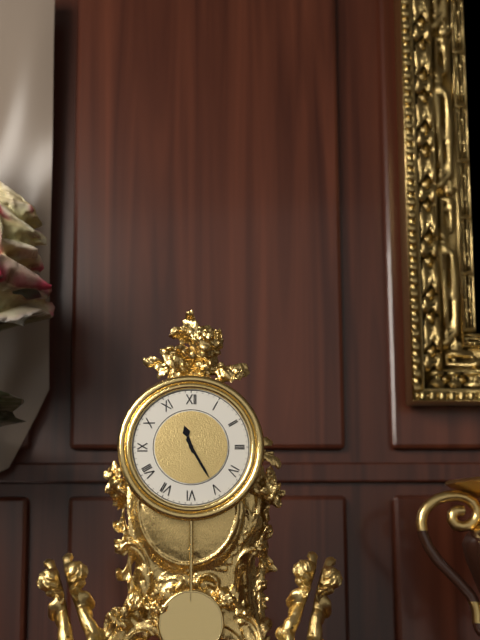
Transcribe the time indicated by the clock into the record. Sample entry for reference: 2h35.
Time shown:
11h25
